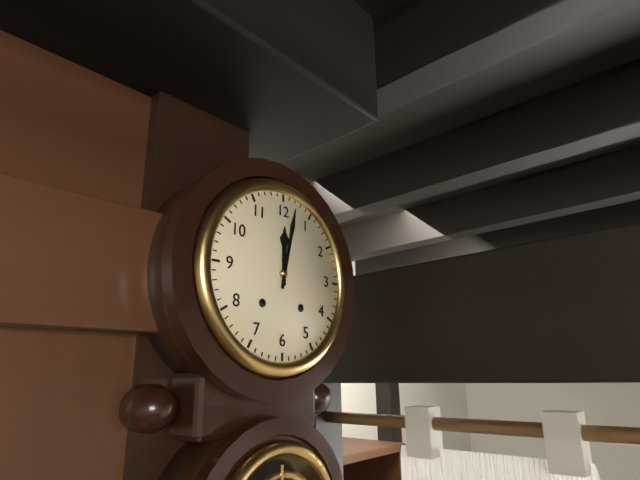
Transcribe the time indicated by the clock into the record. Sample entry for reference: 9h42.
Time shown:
12h02
